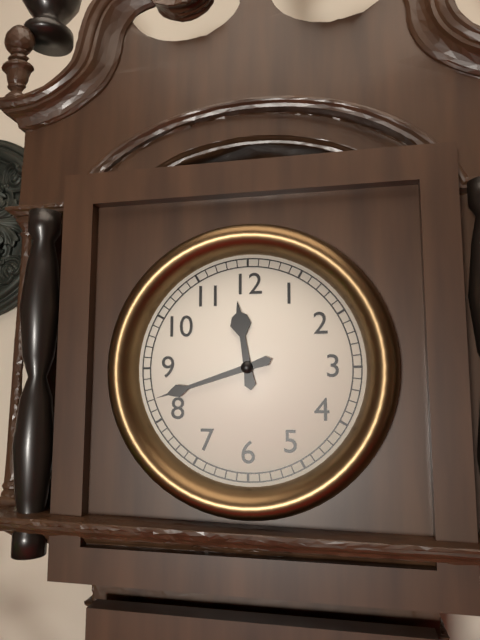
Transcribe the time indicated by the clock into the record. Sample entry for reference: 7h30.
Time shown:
11h42
